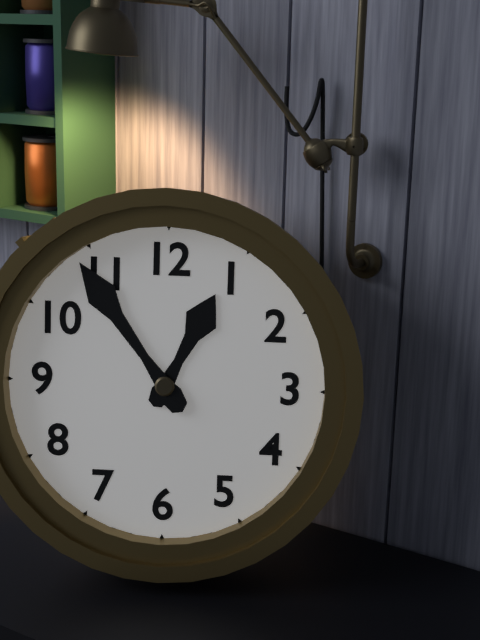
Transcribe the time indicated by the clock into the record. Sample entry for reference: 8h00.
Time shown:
12h54
